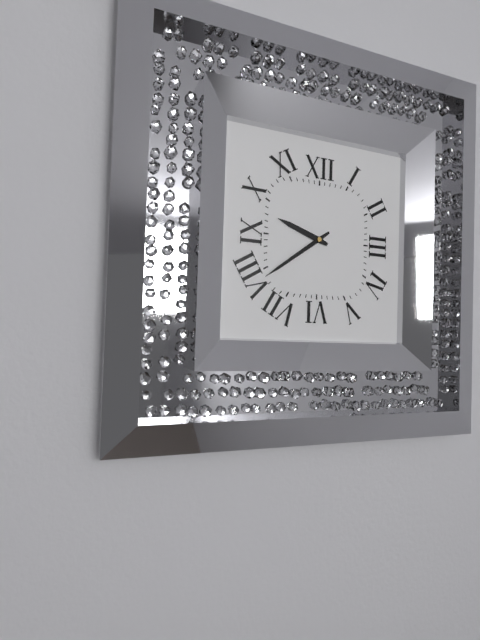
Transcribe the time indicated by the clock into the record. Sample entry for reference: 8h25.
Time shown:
9h39
